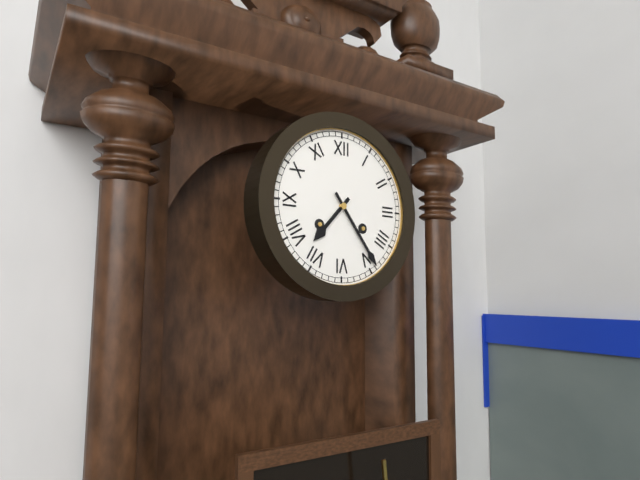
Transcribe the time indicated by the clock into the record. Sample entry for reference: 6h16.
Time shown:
7h24
